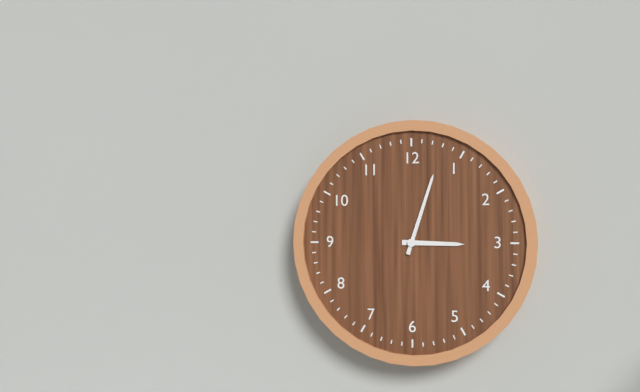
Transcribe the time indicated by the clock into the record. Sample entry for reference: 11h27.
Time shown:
3h03
